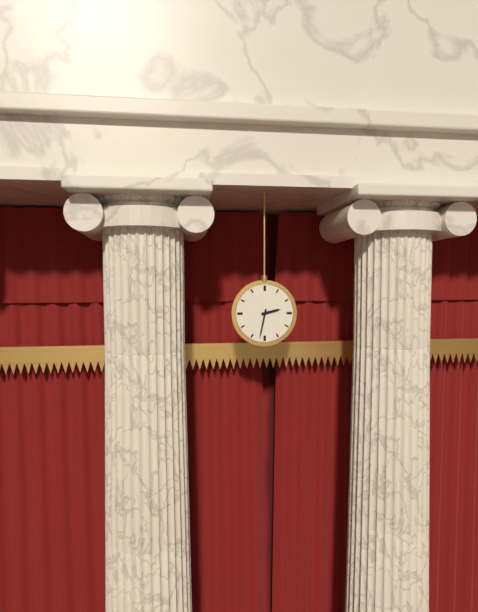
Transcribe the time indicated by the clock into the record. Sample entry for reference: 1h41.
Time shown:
2h32
